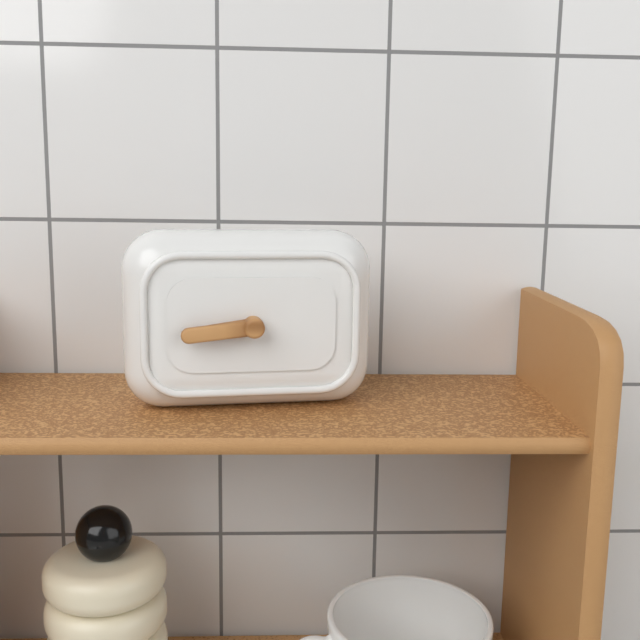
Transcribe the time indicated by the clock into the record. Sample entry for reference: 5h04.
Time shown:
8h44
